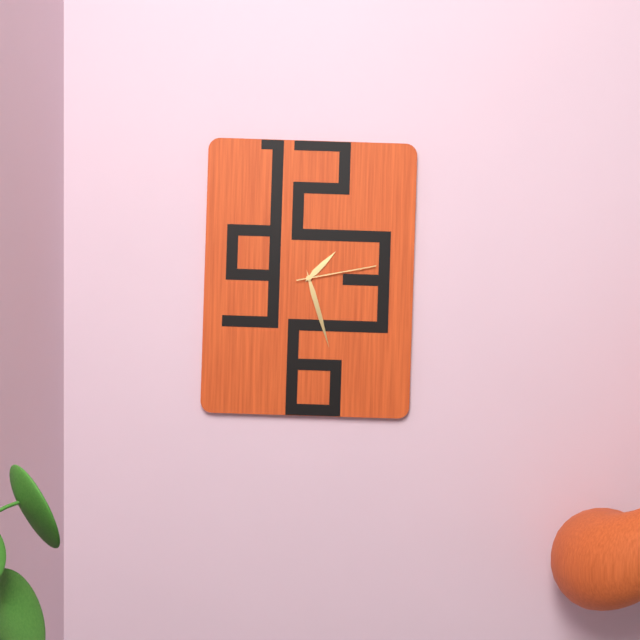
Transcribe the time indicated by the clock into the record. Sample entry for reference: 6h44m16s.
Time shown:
1h27m13s
